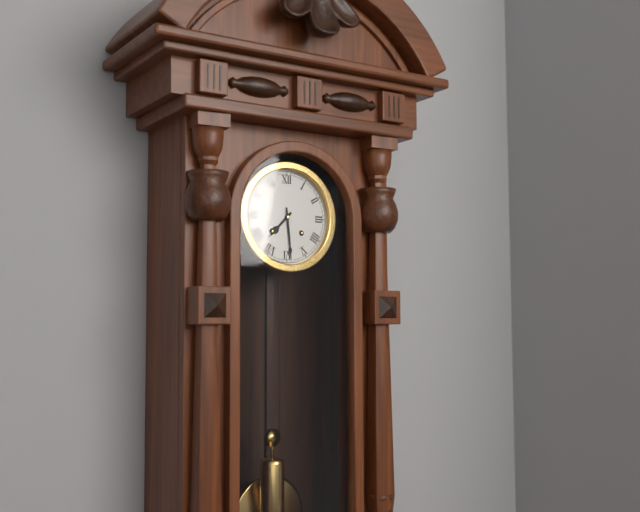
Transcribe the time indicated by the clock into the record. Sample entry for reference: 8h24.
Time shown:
7h29
